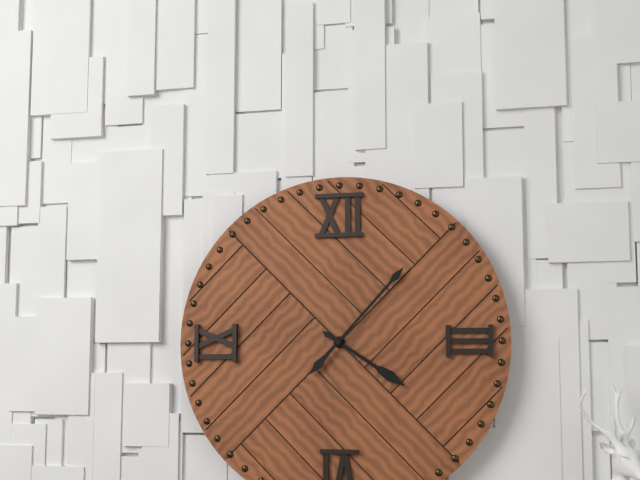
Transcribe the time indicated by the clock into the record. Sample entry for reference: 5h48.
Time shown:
4h07
